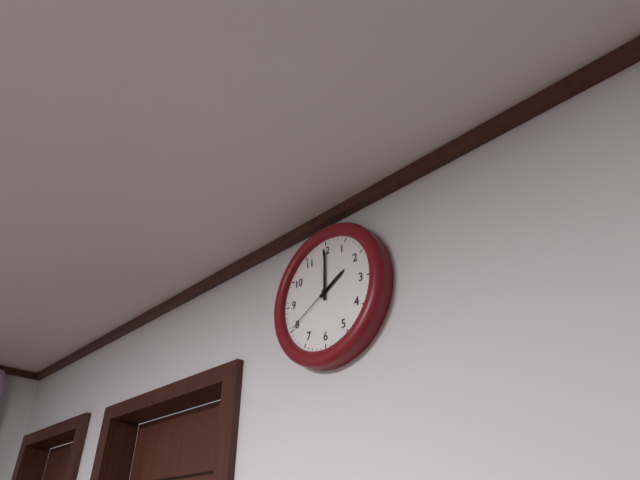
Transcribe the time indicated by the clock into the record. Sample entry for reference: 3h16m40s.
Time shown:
2h00m40s
